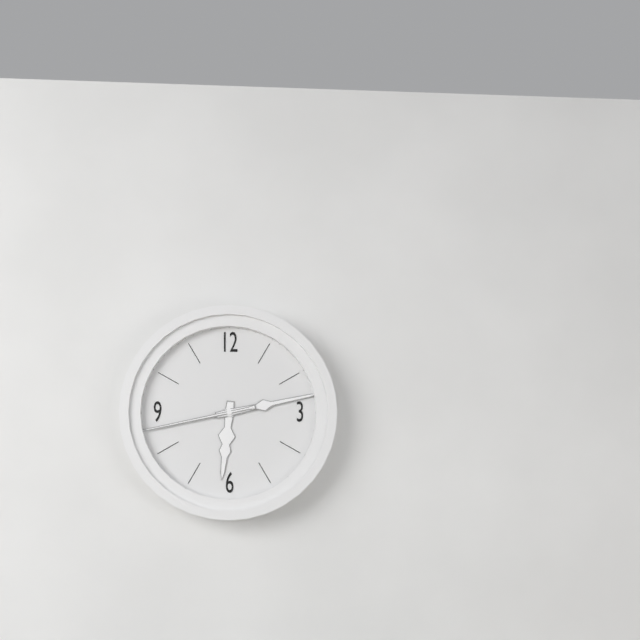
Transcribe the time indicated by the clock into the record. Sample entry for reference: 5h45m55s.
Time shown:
6h13m43s
